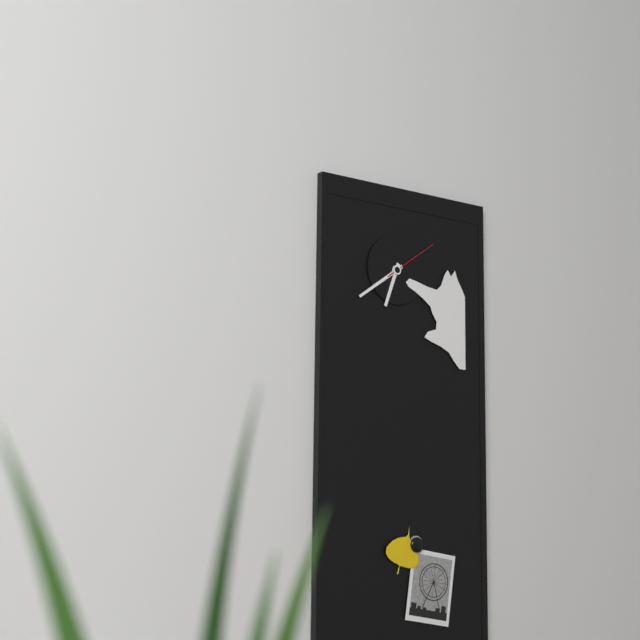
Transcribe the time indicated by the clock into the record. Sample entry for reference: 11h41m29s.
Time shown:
6h39m09s
